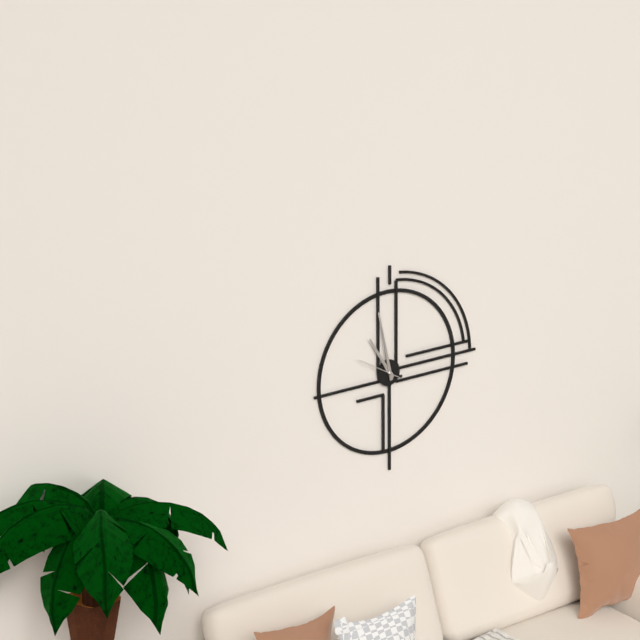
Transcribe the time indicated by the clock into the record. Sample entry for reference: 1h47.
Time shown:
10h58
